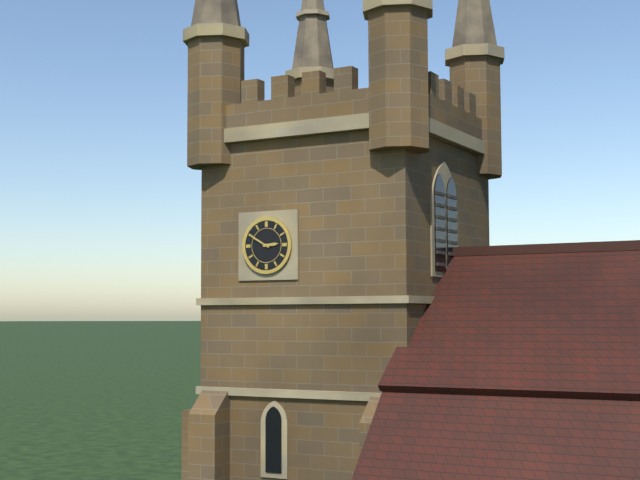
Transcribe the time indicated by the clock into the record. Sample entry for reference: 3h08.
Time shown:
2h50
